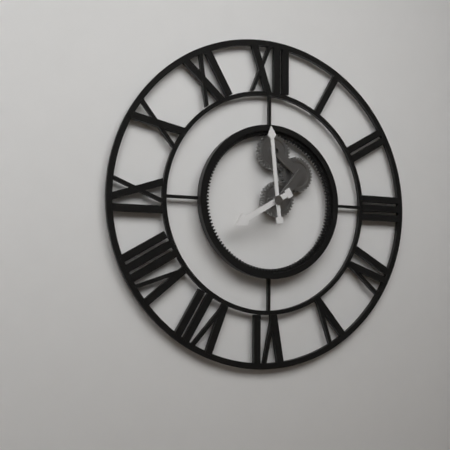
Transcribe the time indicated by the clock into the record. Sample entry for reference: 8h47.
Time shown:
7h59
